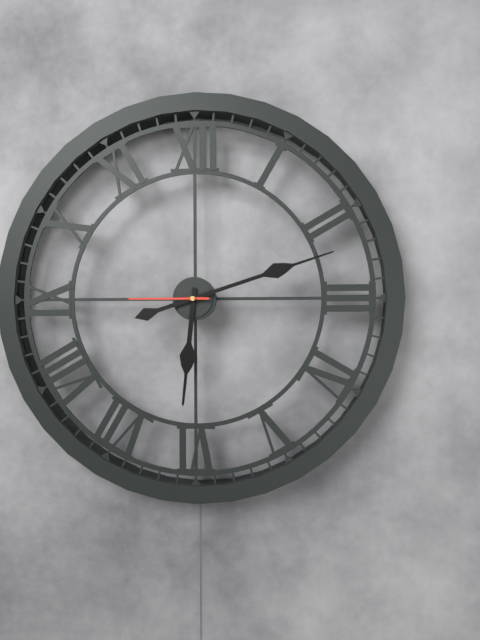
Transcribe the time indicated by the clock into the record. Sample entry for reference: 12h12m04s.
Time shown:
6h12m45s
